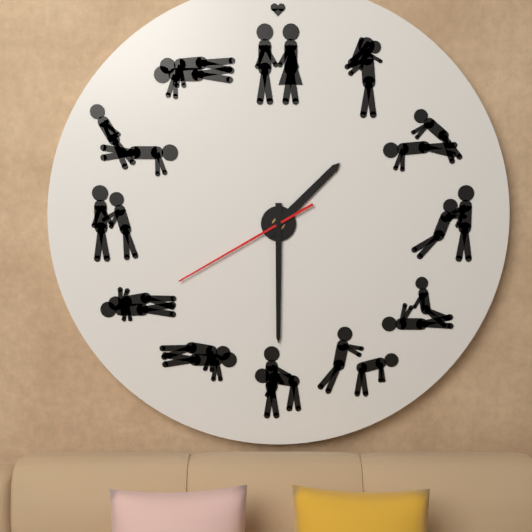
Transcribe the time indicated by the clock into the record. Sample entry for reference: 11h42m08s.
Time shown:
1h30m40s
